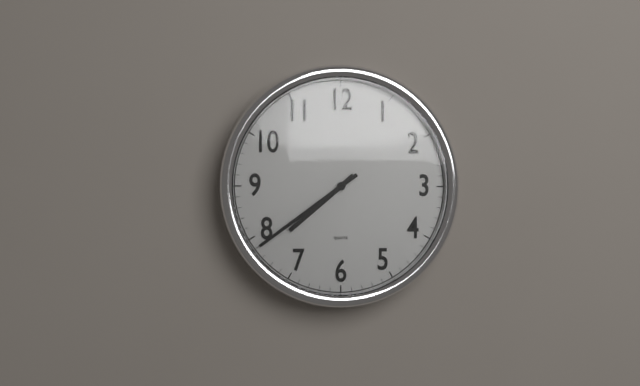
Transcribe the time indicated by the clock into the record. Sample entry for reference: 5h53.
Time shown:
7h39
